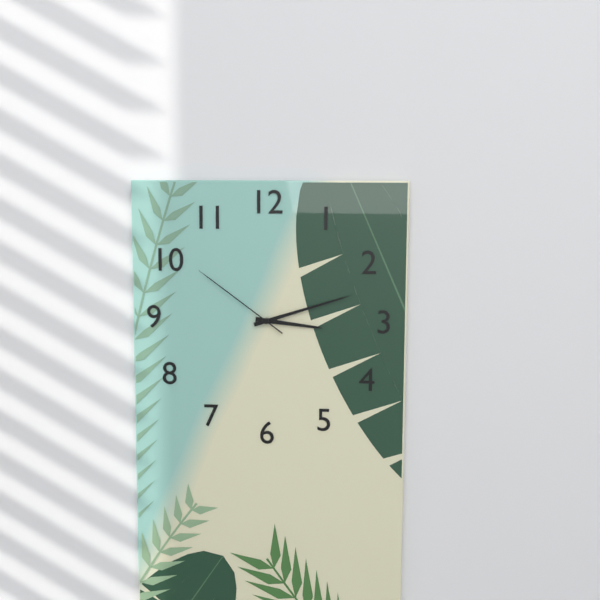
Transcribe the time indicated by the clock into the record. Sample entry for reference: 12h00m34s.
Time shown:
3h12m51s
